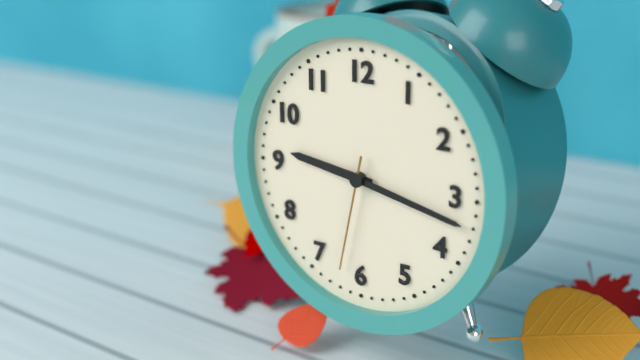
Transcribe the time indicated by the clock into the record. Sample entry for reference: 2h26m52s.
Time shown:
9h17m32s
